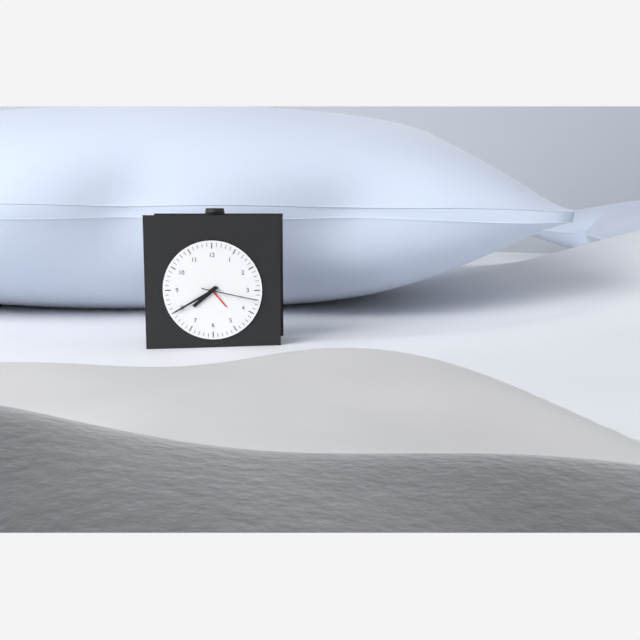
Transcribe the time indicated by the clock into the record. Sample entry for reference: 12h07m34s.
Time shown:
7h40m17s
